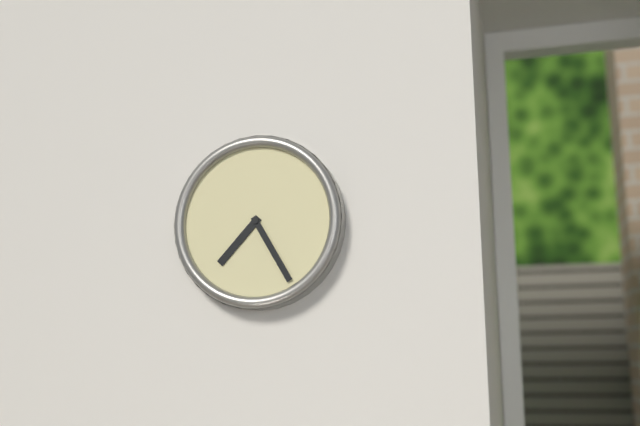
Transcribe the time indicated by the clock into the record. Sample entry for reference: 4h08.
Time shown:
7h25
